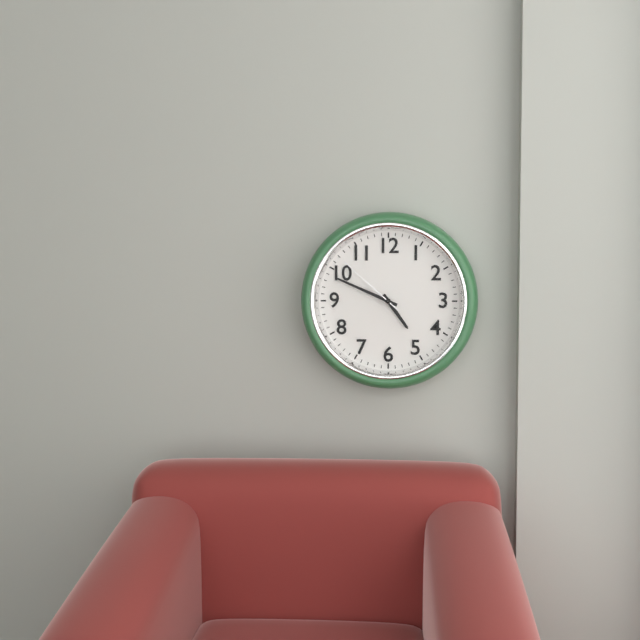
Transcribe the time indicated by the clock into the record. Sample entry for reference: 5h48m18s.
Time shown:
4h49m52s
